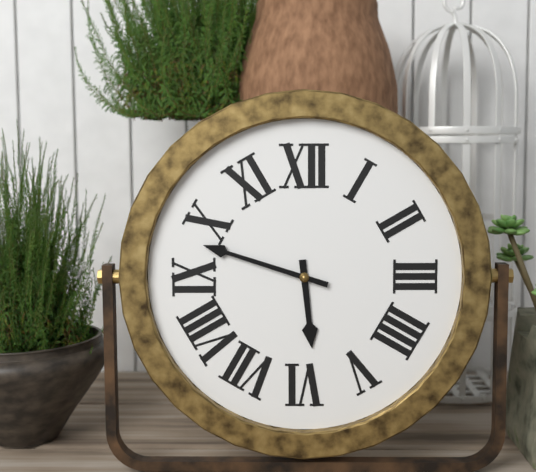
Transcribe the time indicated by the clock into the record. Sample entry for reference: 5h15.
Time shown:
5h48
